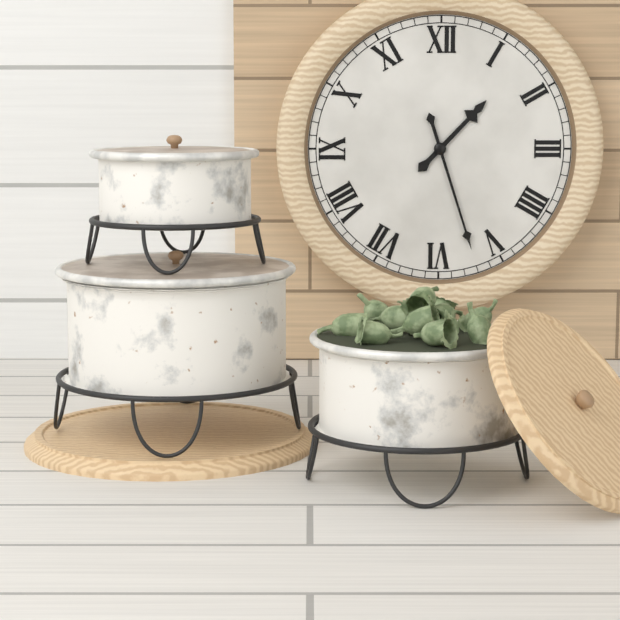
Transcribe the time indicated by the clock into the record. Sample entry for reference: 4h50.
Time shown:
1h27
